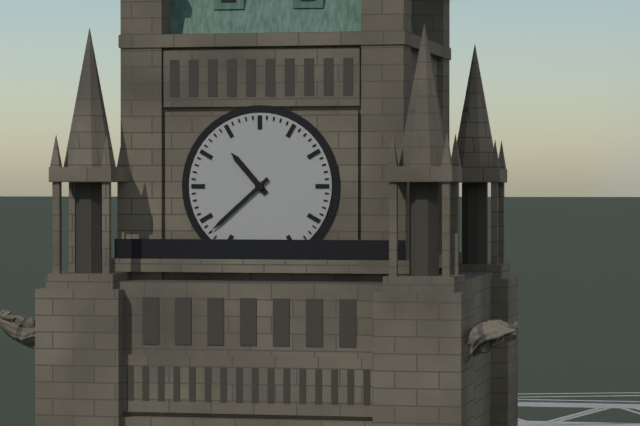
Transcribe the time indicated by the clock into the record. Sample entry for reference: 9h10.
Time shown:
10h38
